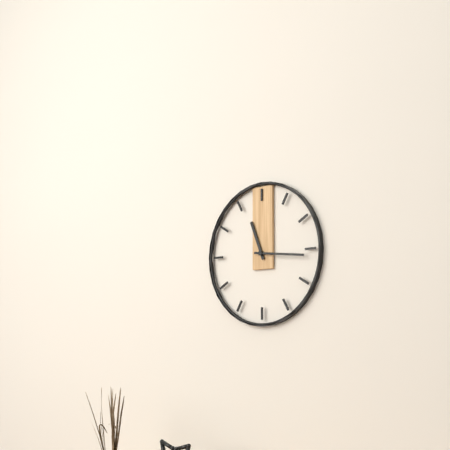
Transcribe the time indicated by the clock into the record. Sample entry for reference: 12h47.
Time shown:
11h16
